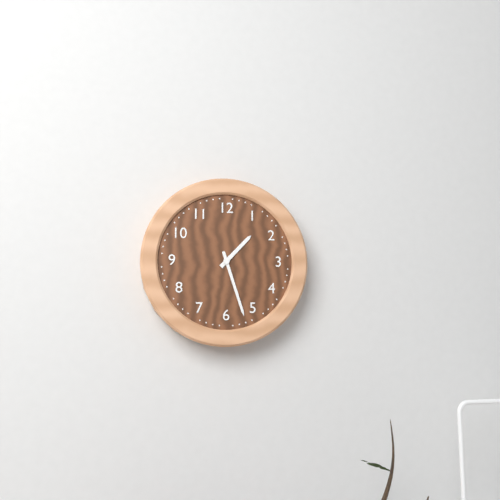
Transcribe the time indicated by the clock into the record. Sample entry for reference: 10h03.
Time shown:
1h27
